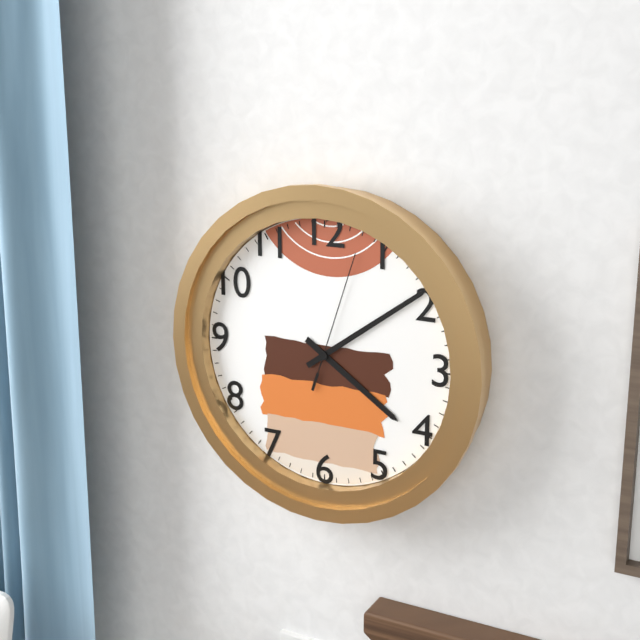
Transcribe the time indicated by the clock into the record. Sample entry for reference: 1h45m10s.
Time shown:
4h09m03s
